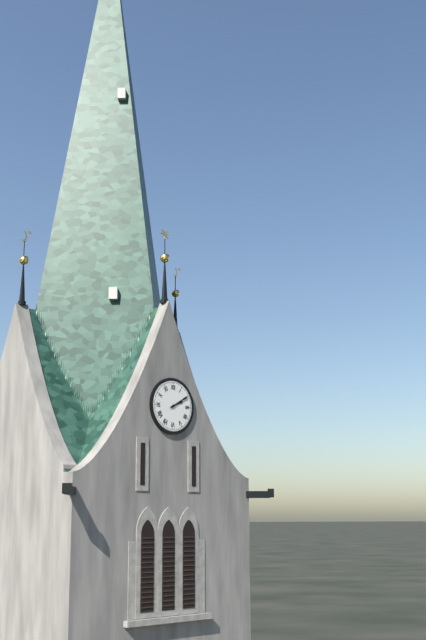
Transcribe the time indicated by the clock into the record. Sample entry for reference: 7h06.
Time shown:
2h10
